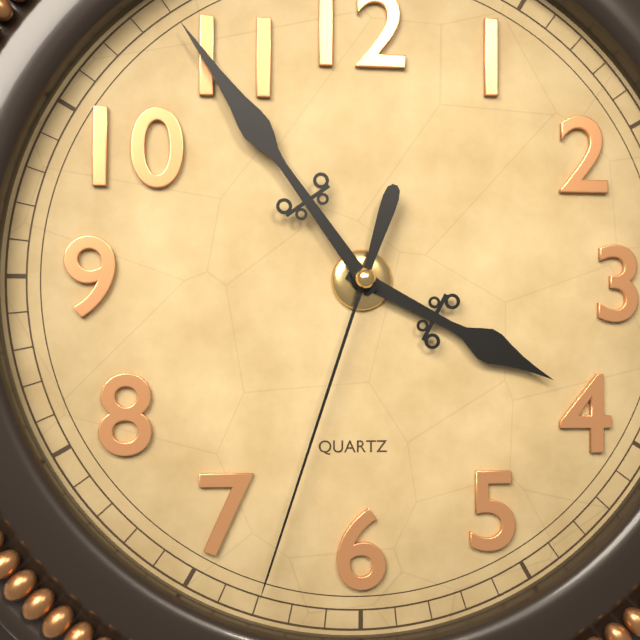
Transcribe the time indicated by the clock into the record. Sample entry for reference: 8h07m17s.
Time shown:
3h54m33s
